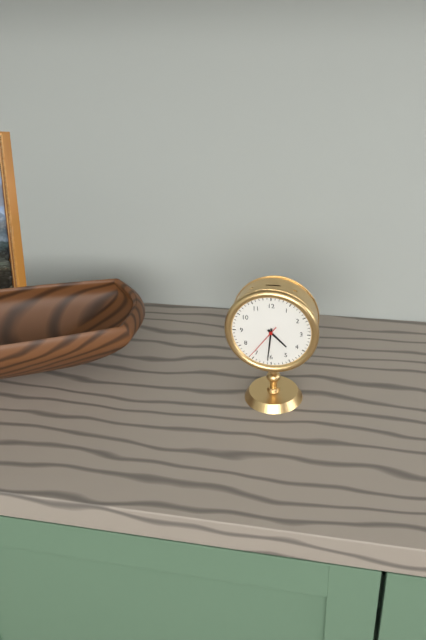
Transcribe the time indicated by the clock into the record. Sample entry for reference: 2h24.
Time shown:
4h31
